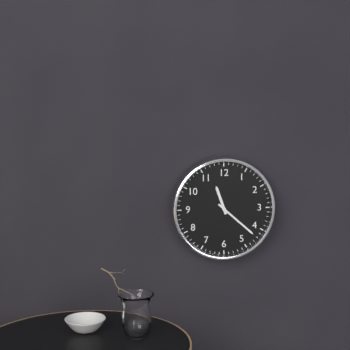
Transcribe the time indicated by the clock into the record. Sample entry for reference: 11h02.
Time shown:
11h22
